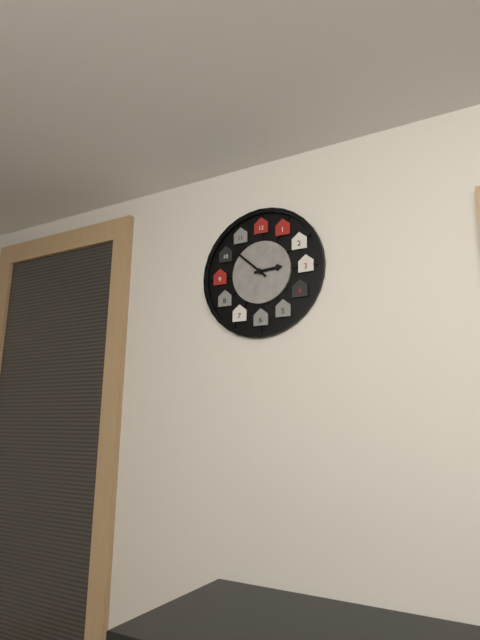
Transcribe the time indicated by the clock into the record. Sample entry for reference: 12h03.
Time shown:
2h52
